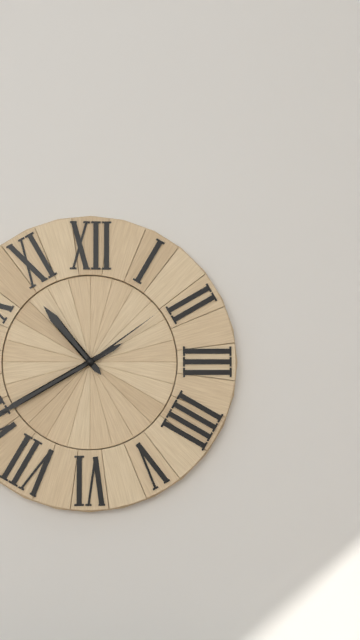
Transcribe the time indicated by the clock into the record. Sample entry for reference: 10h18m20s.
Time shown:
10h40m09s
